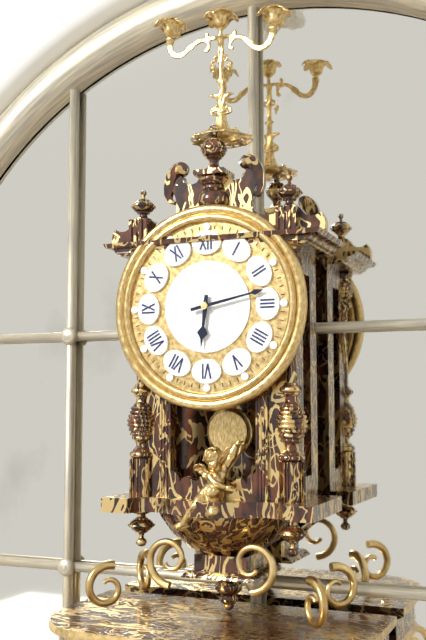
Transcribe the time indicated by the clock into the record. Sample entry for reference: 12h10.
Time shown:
6h13
